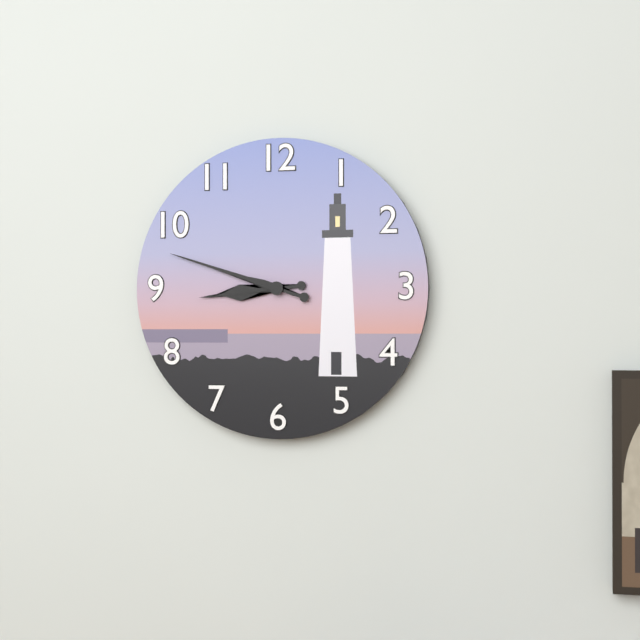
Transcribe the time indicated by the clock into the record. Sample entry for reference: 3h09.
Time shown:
8h48
